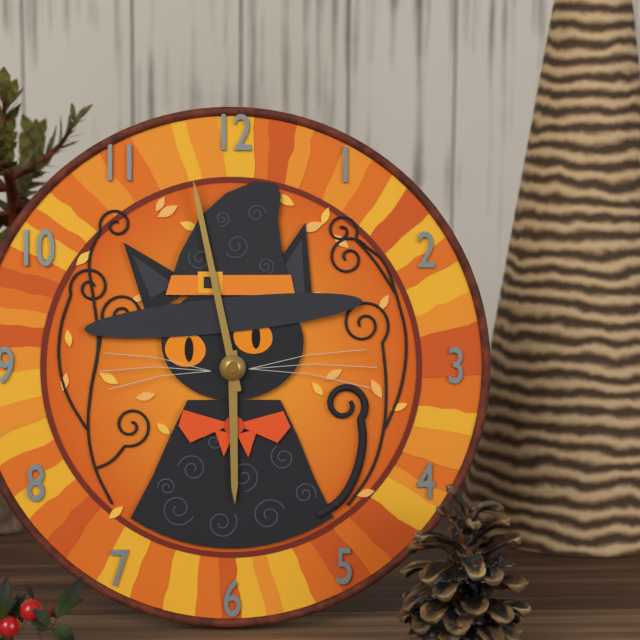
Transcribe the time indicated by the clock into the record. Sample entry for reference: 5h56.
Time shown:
5h58
